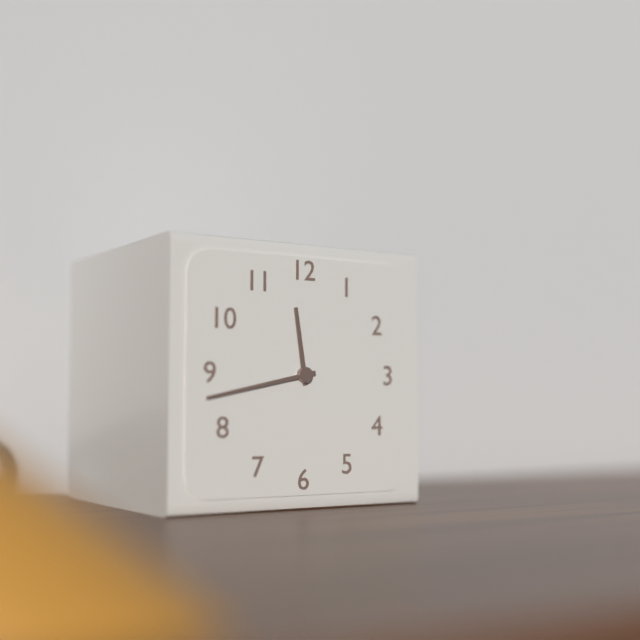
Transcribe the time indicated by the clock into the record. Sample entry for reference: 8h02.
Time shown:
11h43
